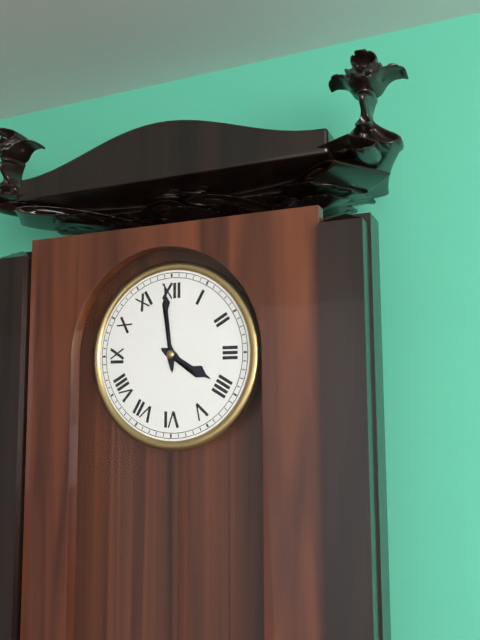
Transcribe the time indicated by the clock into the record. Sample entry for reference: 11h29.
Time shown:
3h59
